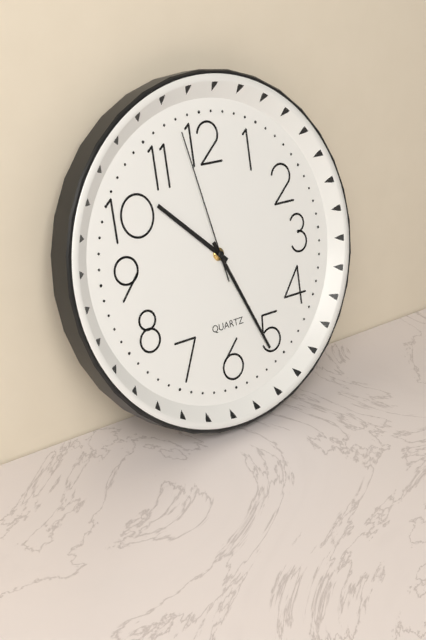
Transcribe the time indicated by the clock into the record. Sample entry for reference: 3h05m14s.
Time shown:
10h26m58s
